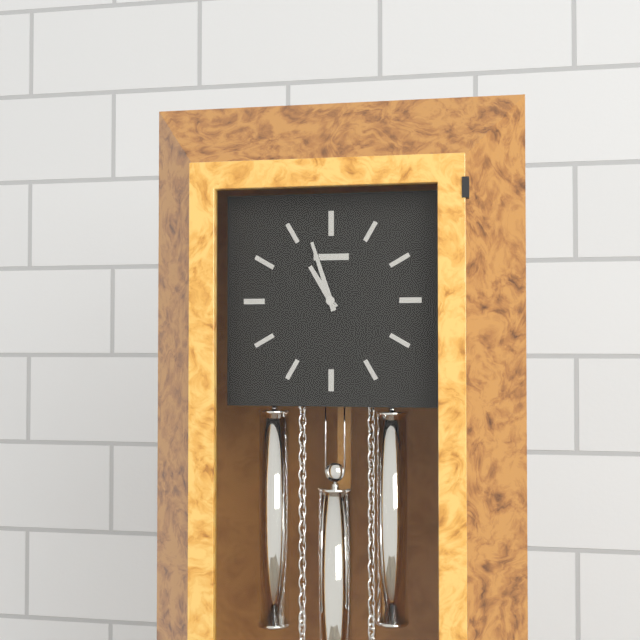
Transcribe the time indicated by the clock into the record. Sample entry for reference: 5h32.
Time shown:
10h57
